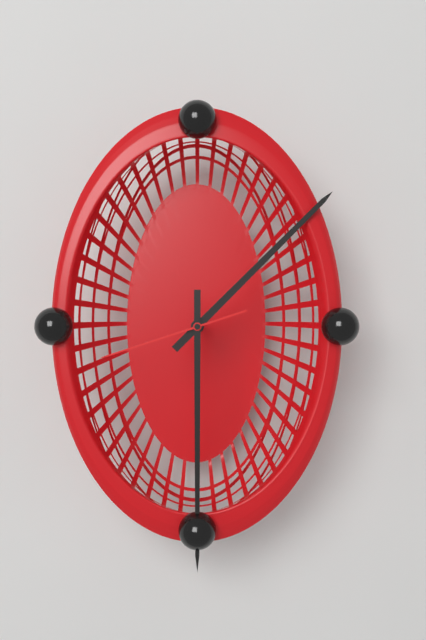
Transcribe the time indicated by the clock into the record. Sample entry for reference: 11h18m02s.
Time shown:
1h30m42s
